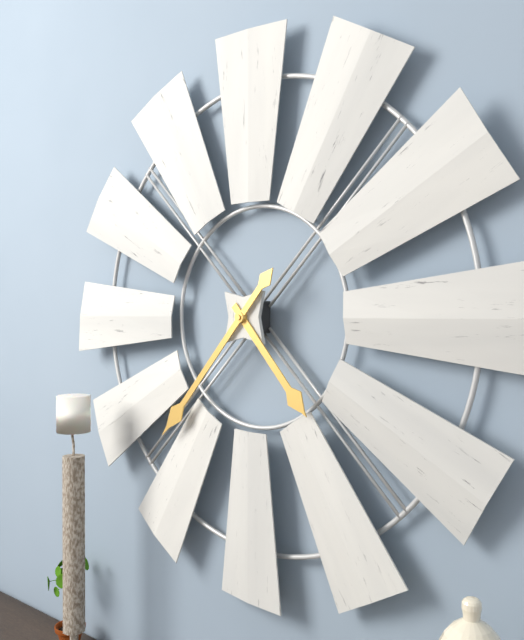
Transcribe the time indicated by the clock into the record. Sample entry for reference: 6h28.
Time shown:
4h37
